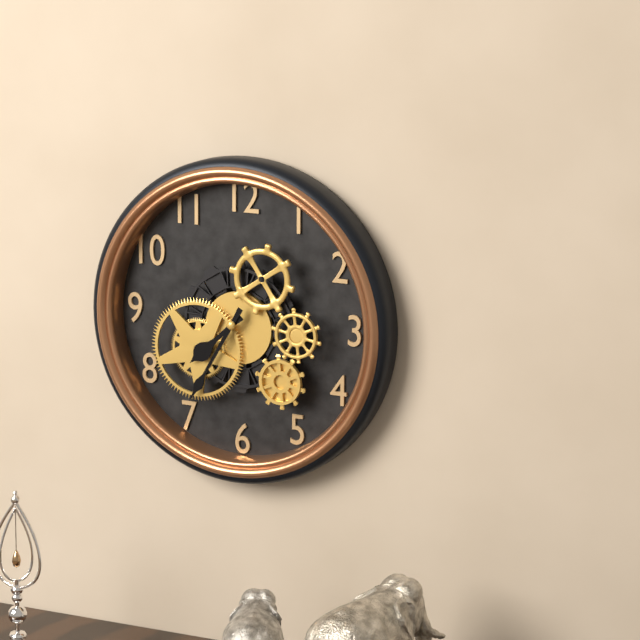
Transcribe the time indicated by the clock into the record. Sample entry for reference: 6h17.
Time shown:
7h35
